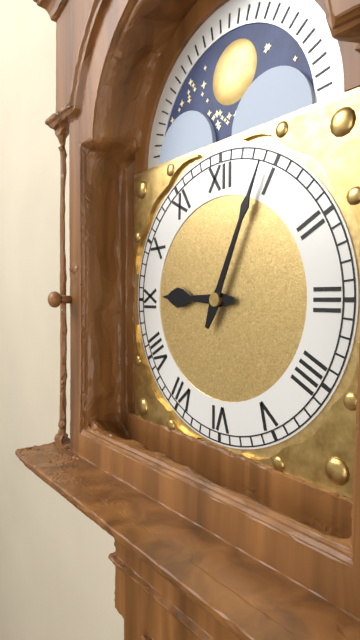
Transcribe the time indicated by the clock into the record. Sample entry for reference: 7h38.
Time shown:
9h04
